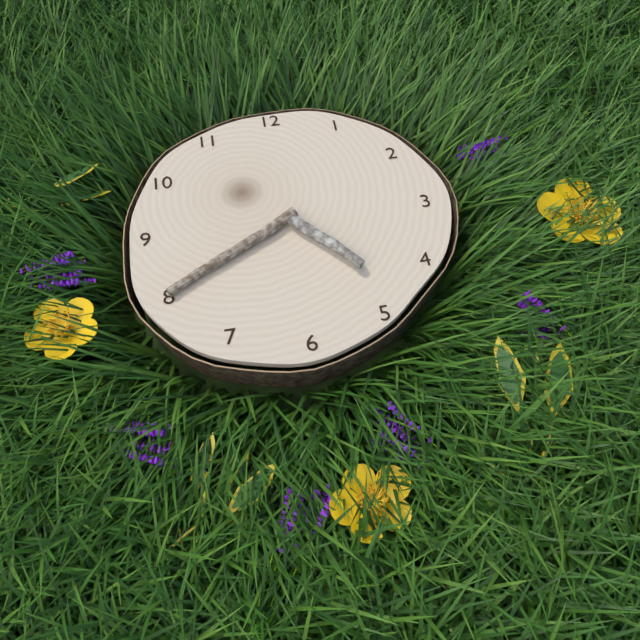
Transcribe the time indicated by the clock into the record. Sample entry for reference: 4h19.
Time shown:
4h40
